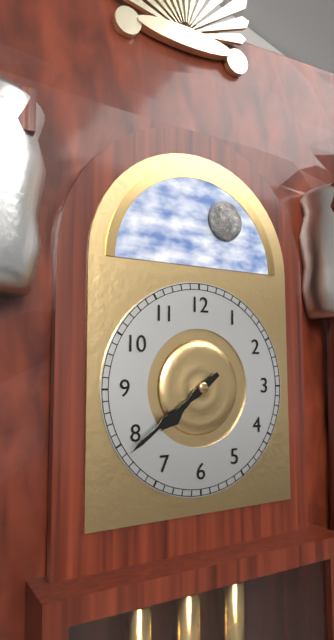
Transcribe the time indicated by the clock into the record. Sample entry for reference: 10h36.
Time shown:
7h39
